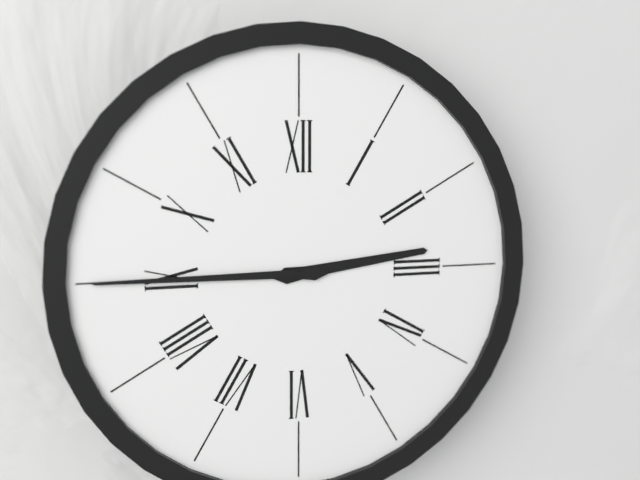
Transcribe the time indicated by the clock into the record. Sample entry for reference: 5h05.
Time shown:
2h45
